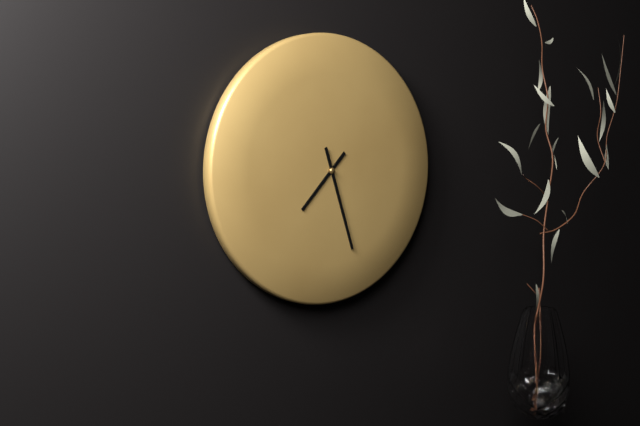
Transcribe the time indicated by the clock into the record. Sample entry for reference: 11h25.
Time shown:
7h27
